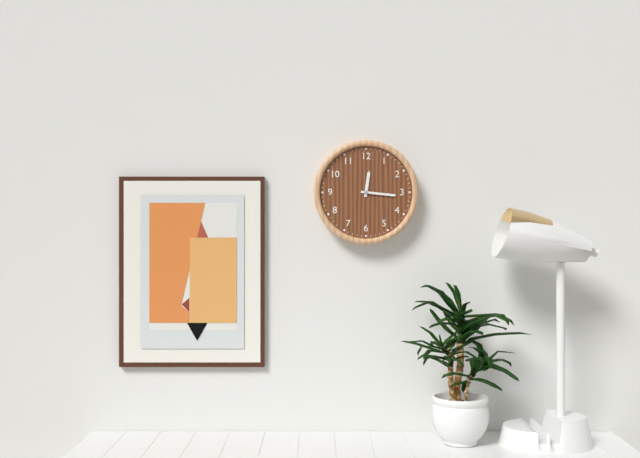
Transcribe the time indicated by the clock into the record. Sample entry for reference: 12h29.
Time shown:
12h16
